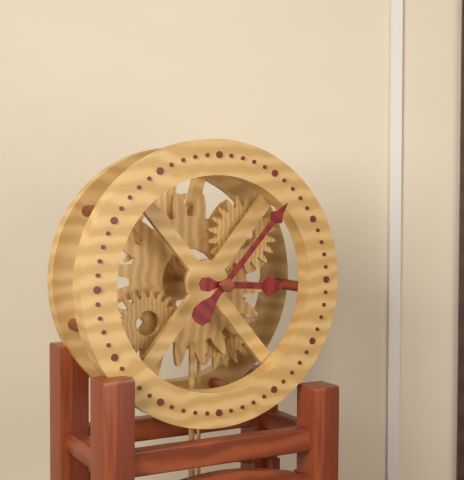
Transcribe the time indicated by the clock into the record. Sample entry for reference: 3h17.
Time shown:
3h07
